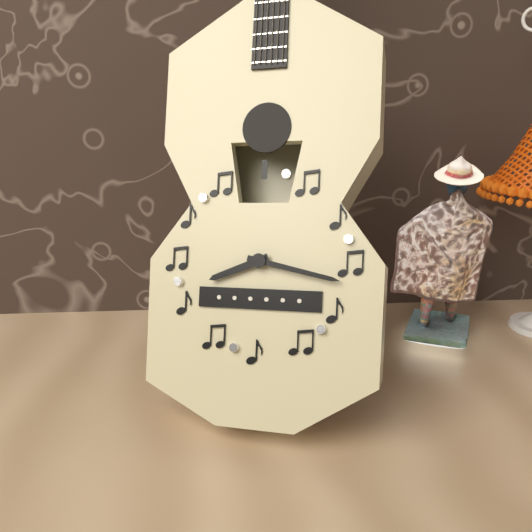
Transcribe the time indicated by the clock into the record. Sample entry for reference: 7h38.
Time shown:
8h17
